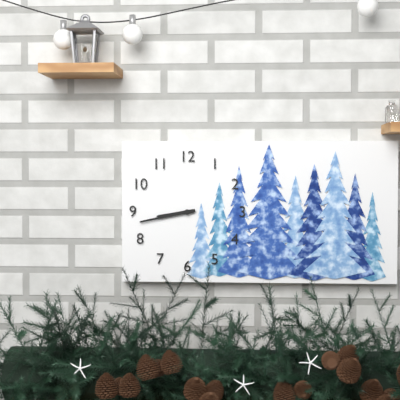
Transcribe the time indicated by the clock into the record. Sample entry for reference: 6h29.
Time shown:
8h43
